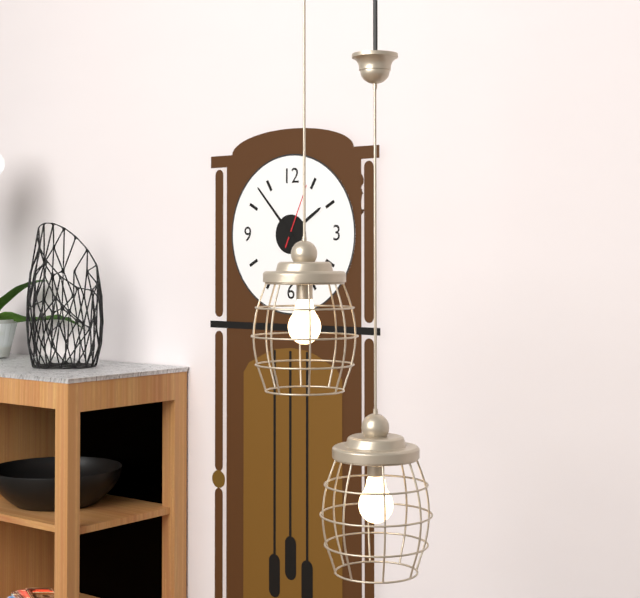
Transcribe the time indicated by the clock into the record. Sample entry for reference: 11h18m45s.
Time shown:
1h53m04s
